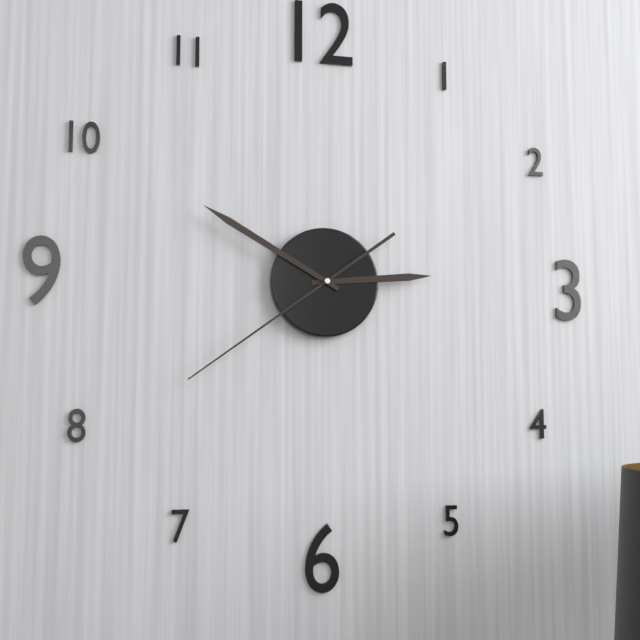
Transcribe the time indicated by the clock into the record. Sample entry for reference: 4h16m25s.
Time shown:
2h50m39s
